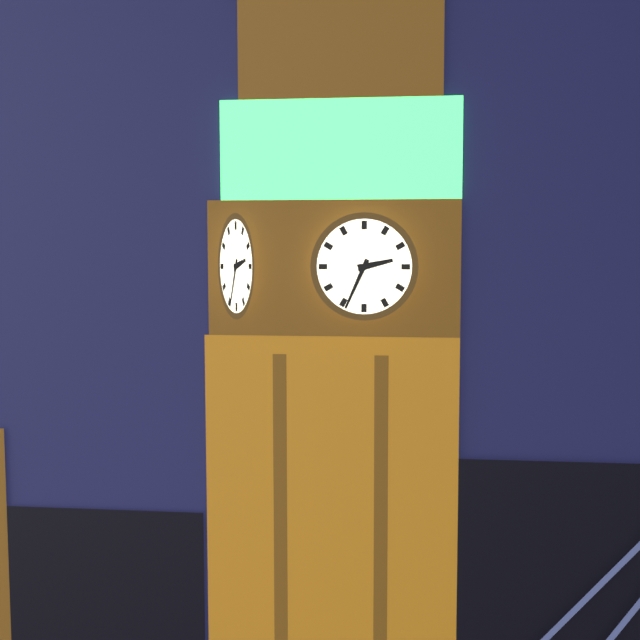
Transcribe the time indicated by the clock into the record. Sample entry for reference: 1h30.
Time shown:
2h34
